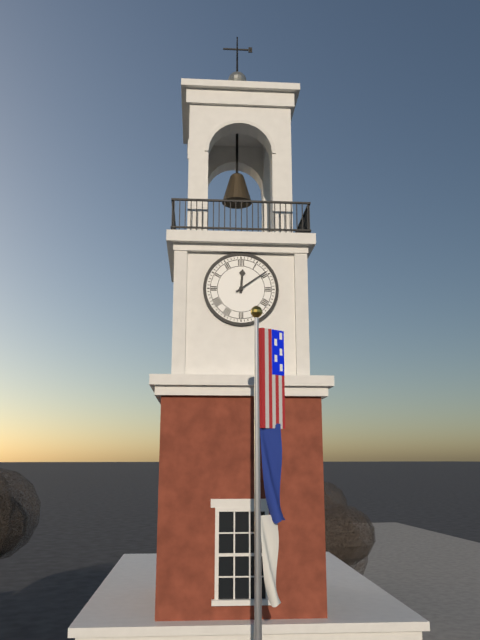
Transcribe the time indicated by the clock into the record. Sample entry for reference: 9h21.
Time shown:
12h09
